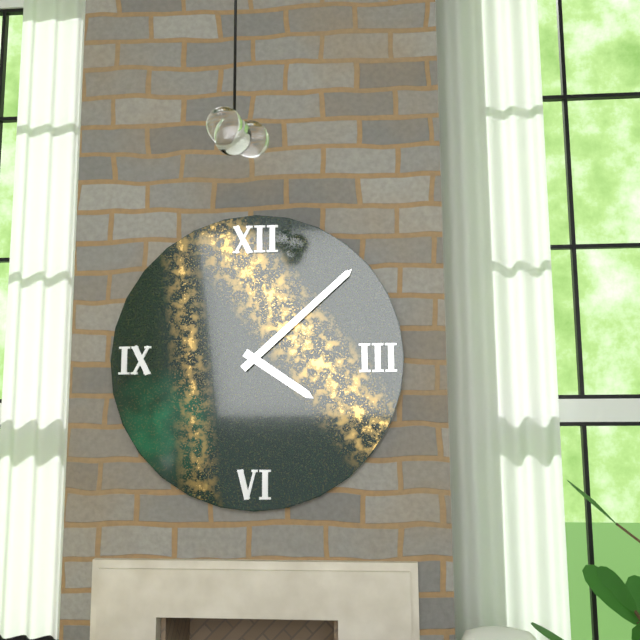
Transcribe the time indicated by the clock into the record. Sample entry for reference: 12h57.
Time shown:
4h08
